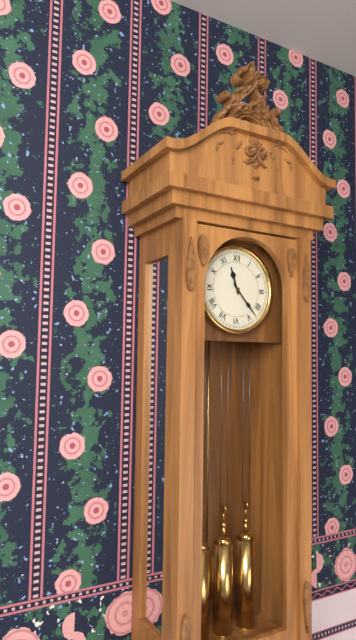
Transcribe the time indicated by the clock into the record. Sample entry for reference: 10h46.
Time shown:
11h23
